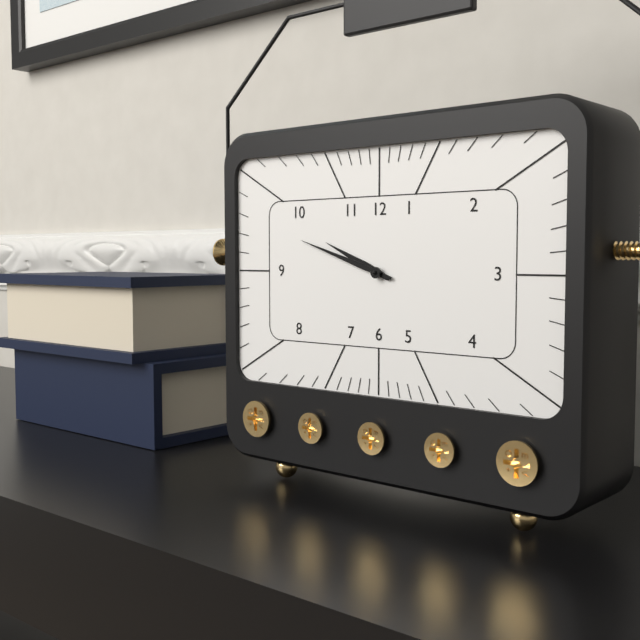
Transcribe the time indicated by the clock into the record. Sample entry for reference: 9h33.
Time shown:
9h48
